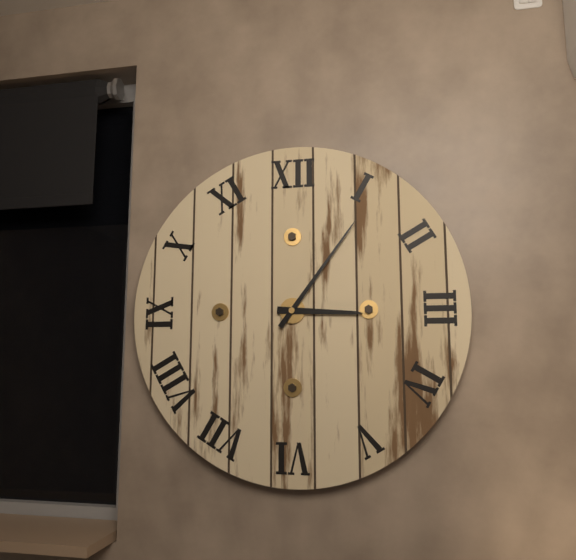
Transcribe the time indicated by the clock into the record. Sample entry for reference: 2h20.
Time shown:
3h06
